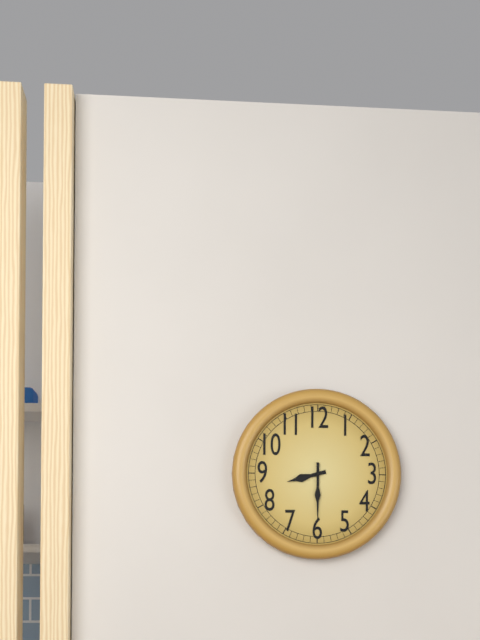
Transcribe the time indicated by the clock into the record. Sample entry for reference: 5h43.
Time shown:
8h30
